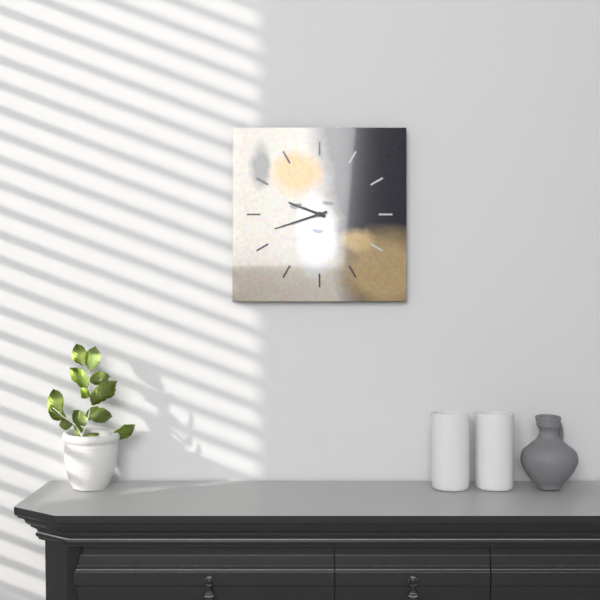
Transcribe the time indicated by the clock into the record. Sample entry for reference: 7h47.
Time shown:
9h42
